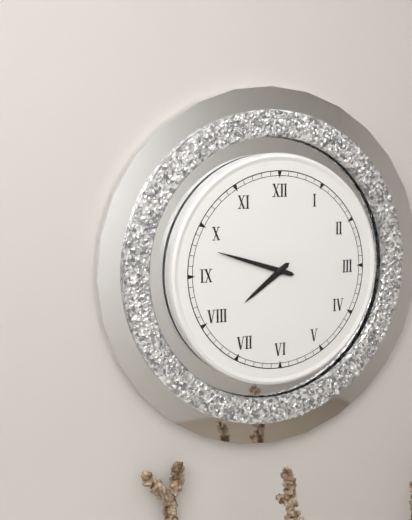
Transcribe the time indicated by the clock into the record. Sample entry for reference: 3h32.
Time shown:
7h48
